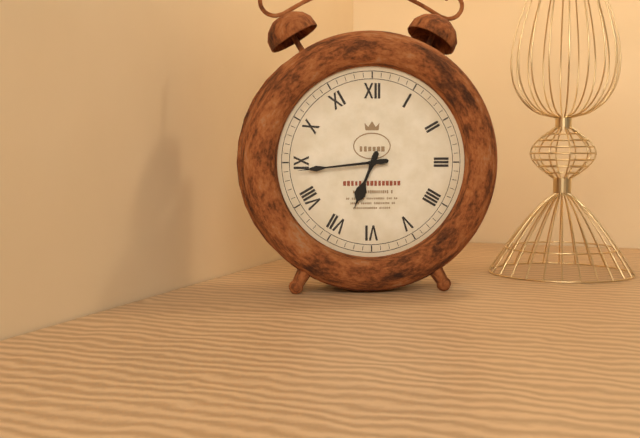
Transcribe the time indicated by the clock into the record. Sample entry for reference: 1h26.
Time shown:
6h44
